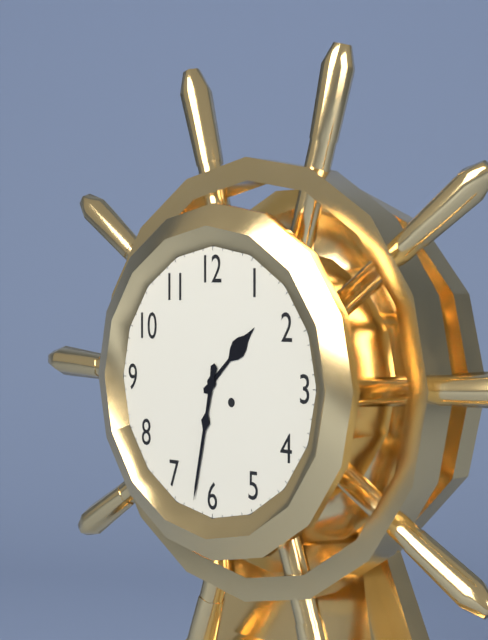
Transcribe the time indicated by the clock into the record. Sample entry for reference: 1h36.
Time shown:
1h32
